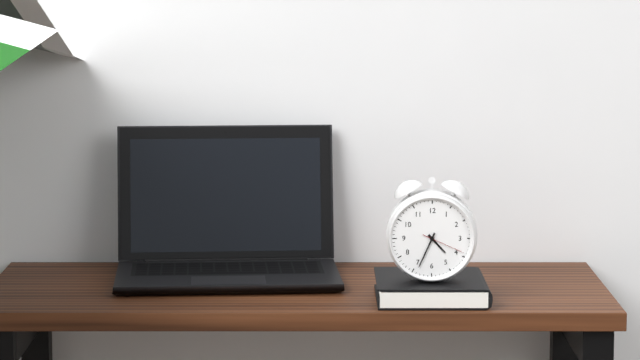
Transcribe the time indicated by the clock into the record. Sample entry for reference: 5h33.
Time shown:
4h34
